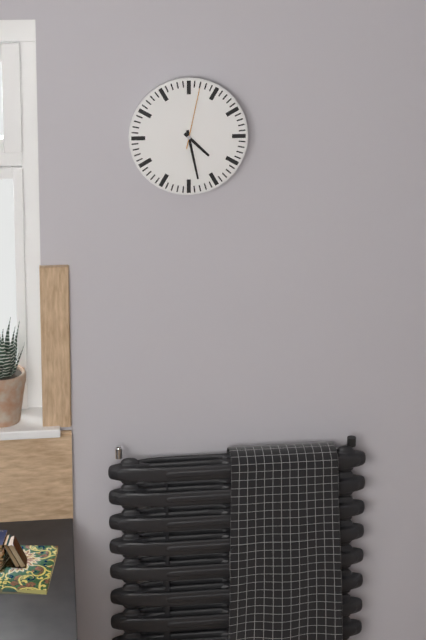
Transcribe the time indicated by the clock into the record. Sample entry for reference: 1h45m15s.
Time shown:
4h28m02s
